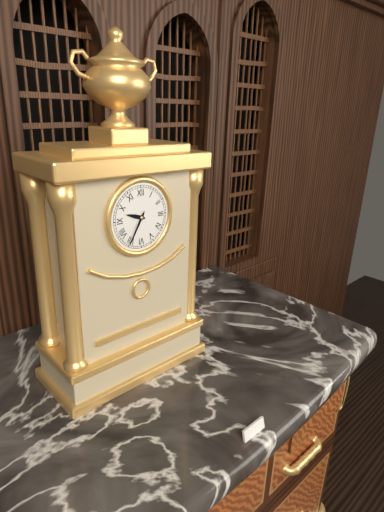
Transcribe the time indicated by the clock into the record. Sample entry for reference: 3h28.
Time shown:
9h35
